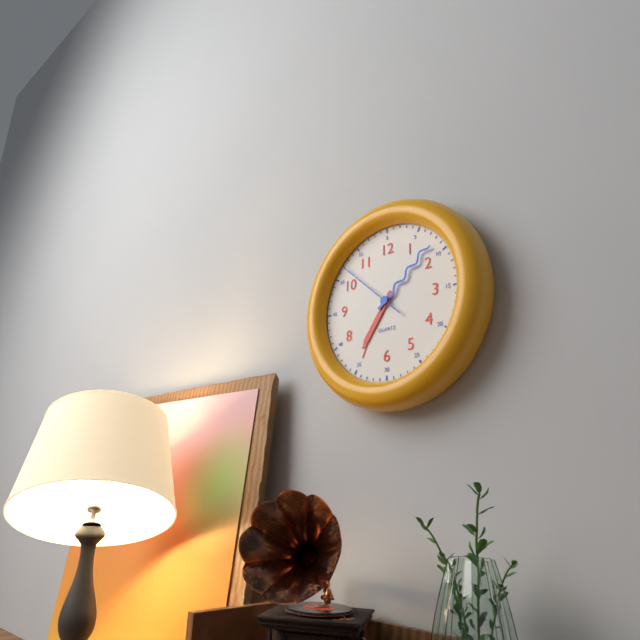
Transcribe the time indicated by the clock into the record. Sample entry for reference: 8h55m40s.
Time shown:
7h08m52s
